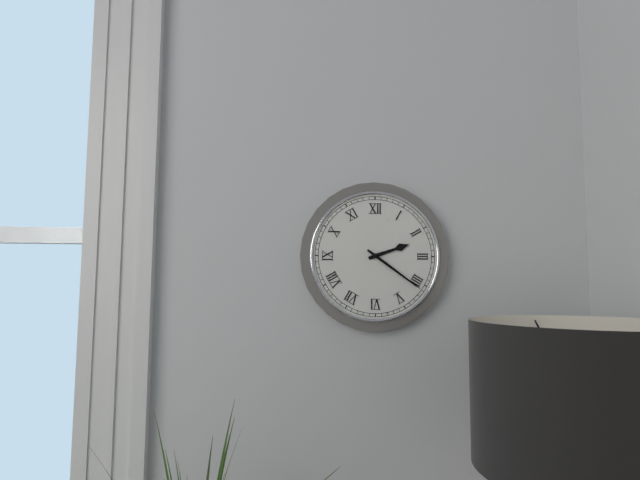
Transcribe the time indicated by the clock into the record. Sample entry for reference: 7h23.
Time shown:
2h21
